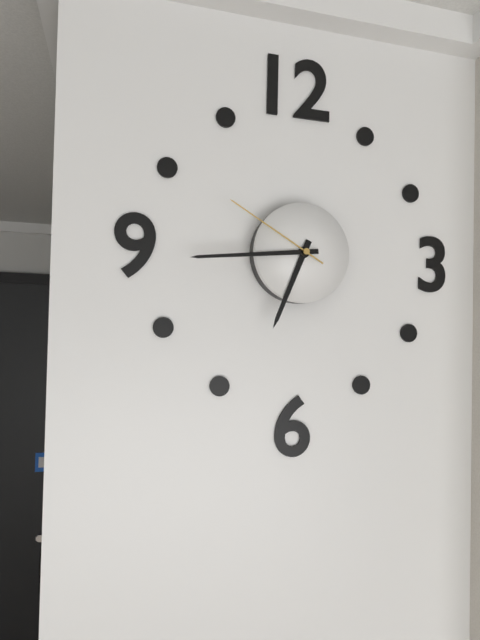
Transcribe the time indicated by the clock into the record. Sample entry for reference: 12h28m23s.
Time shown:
6h44m50s
